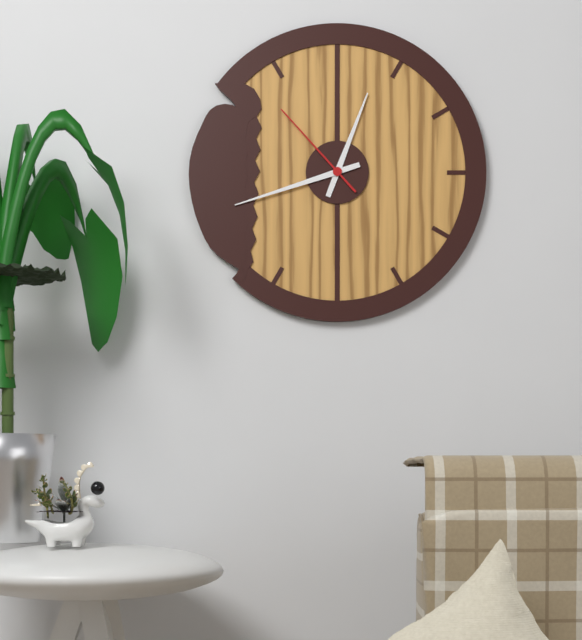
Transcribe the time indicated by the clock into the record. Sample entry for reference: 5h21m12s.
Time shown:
12h42m53s
